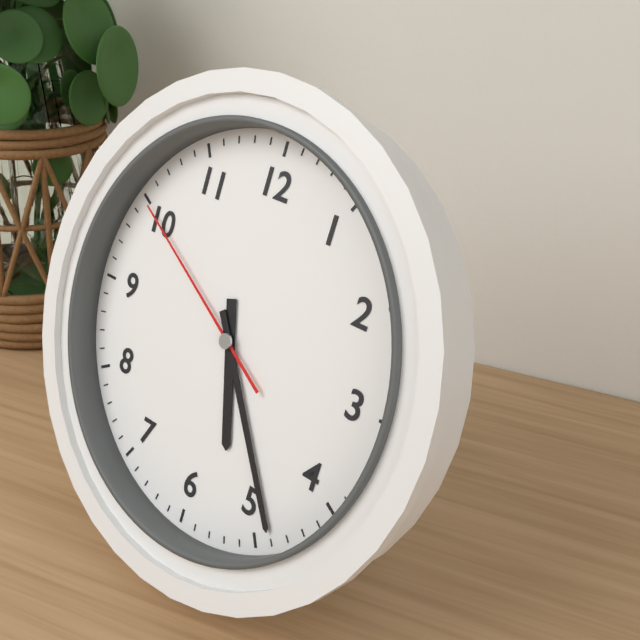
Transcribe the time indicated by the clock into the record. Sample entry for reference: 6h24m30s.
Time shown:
5h24m50s
